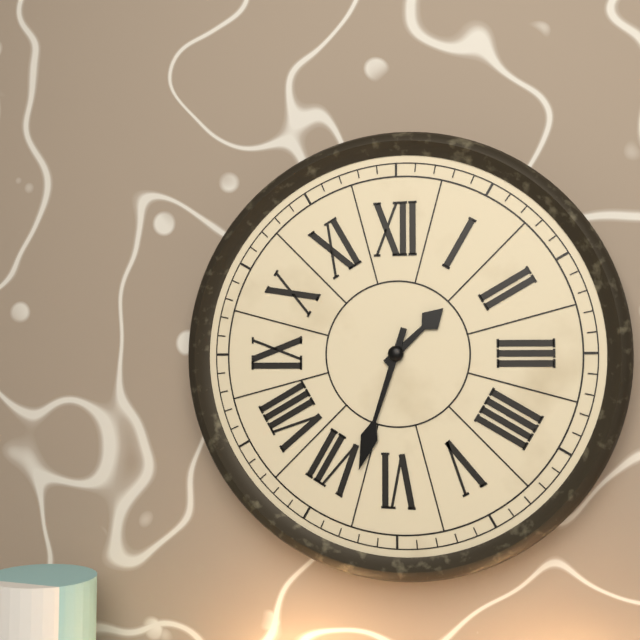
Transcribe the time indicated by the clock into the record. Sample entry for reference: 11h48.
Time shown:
1h33
